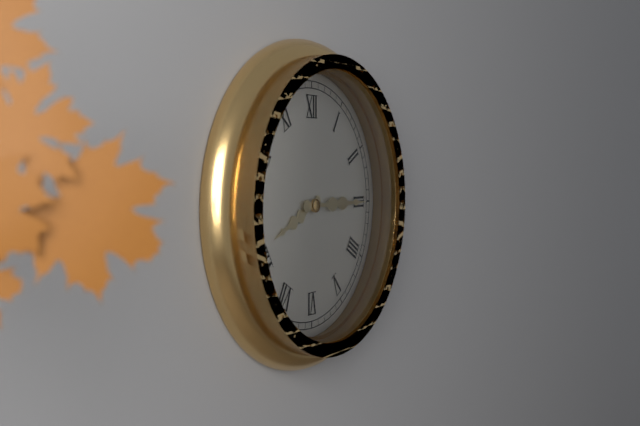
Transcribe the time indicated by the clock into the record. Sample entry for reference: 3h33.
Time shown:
8h15
